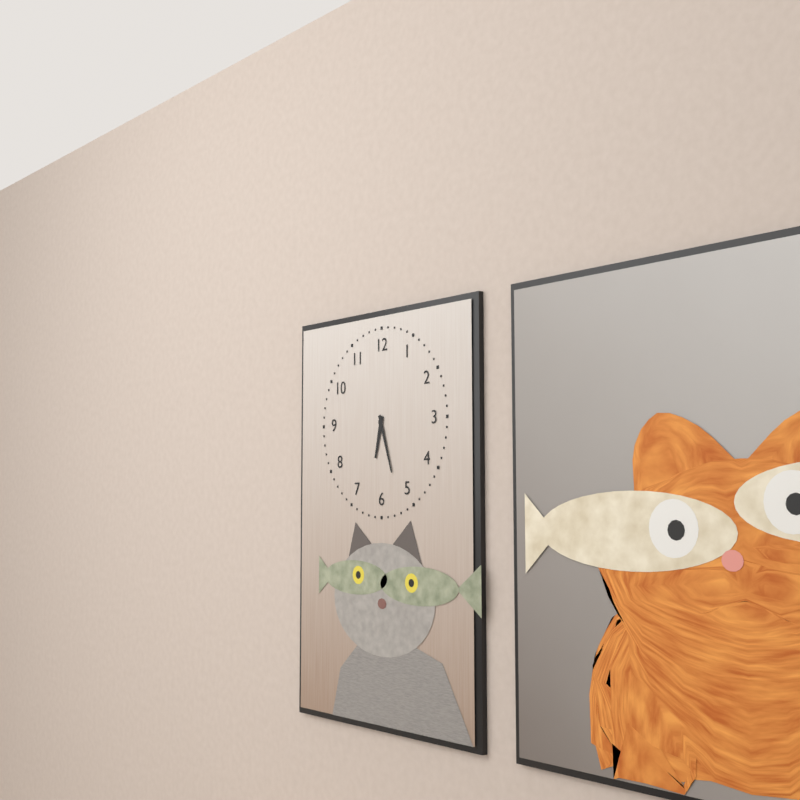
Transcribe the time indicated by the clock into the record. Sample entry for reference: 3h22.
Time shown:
6h27
